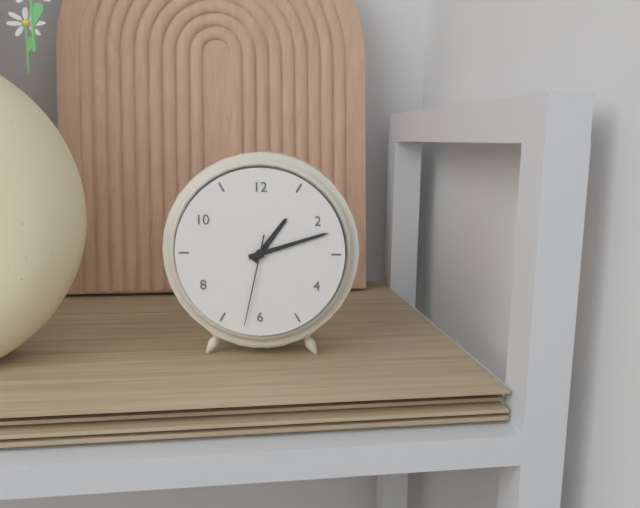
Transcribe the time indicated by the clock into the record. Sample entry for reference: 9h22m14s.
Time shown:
1h12m32s
